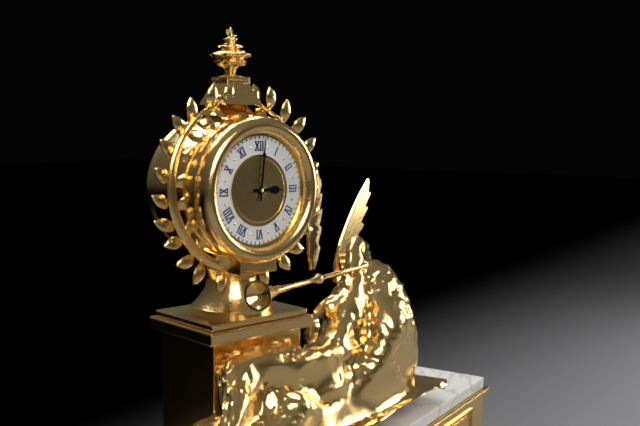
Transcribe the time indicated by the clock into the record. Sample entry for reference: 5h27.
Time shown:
3h01
